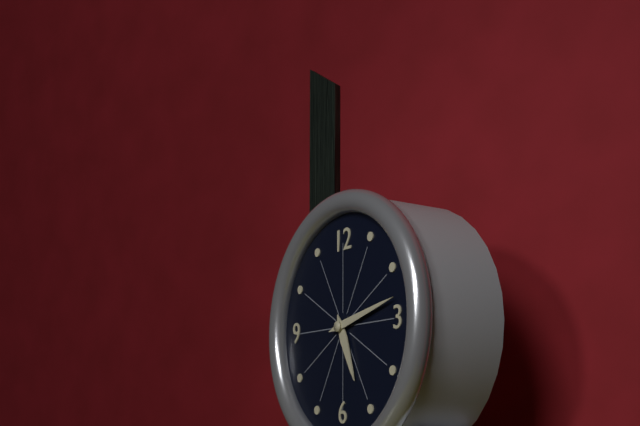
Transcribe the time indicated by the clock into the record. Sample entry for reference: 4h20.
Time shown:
5h13
